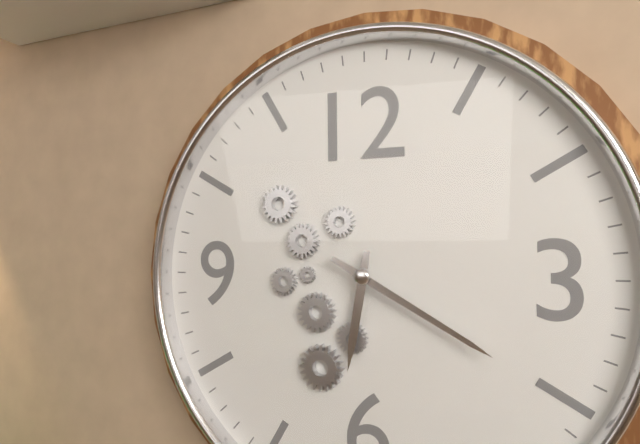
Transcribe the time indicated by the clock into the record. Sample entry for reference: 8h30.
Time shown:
6h20
